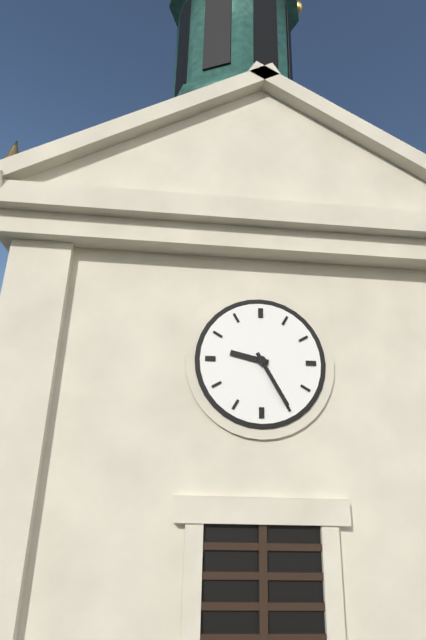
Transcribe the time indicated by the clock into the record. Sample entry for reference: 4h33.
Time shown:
9h25
